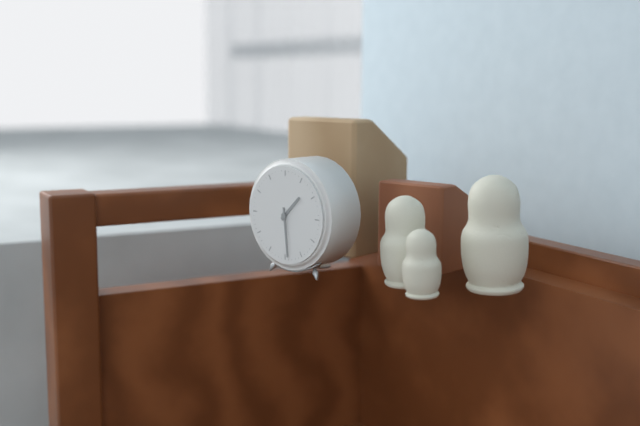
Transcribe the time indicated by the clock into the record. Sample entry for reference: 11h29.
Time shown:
1h29
